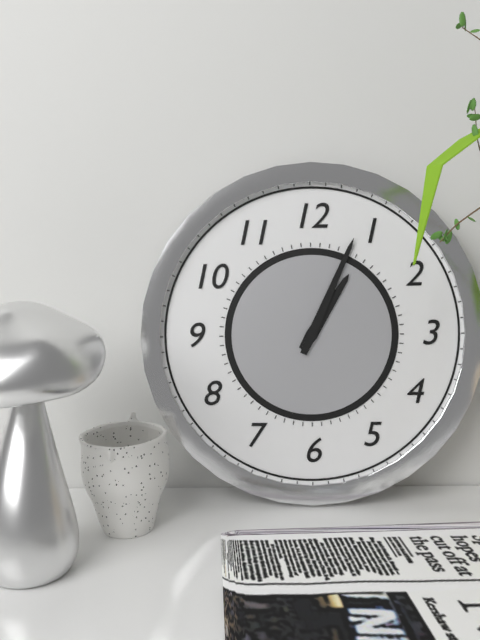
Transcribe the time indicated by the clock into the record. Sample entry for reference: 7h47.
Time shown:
1h04
